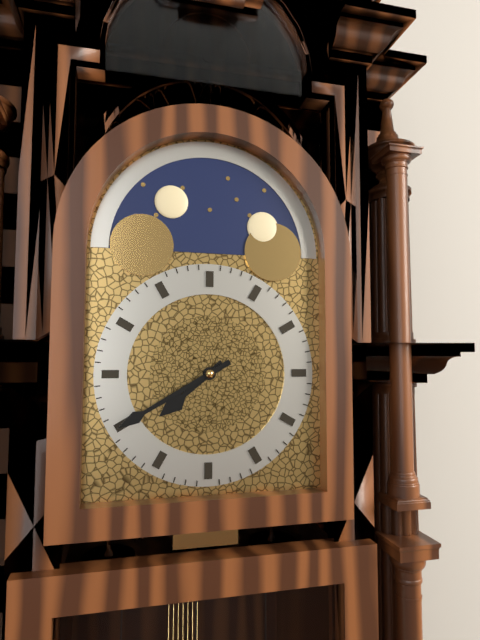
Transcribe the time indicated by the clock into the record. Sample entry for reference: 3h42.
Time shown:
7h40
